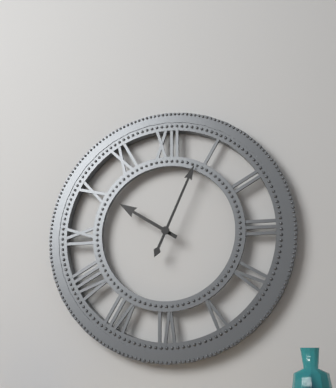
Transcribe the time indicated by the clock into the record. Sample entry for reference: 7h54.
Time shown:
10h04
